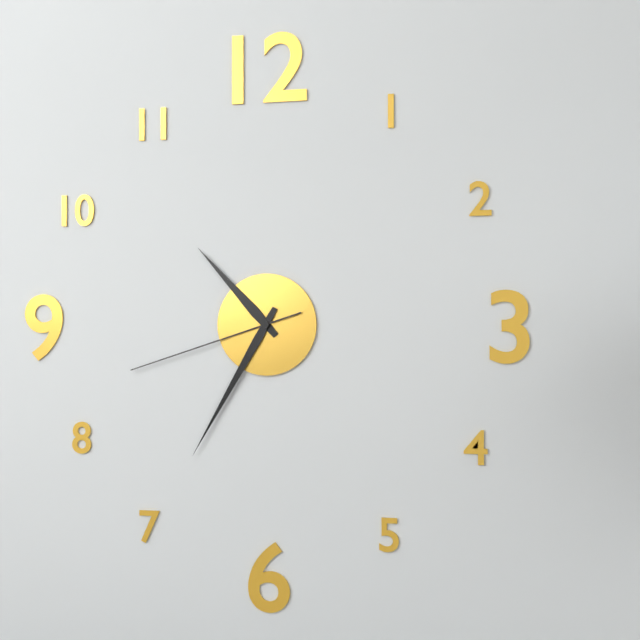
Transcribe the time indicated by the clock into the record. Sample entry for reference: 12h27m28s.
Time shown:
10h35m42s
